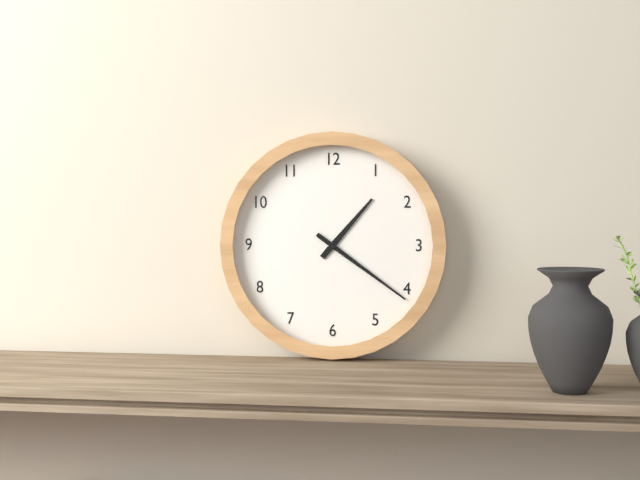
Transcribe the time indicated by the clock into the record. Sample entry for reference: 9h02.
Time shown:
1h21
